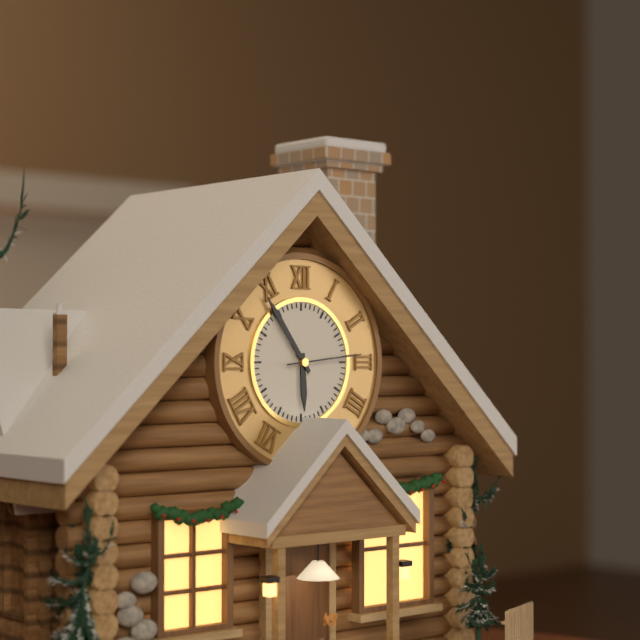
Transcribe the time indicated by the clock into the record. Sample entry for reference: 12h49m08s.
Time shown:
5h54m14s
